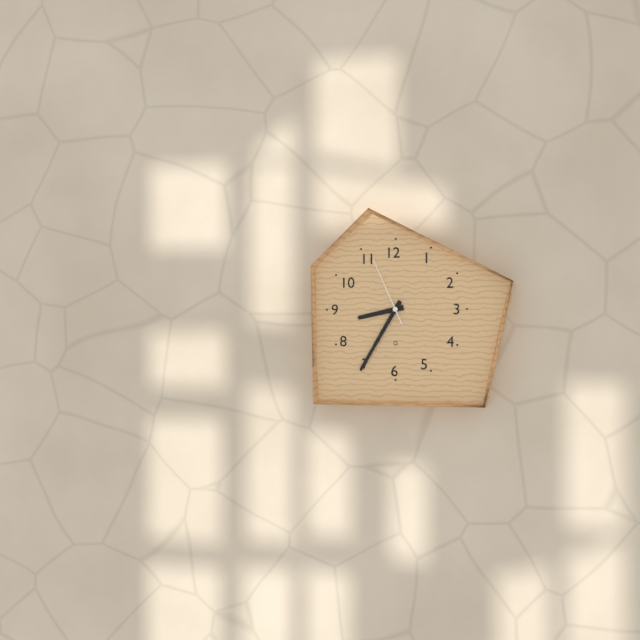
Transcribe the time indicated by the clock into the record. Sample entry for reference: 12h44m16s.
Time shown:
8h35m56s
